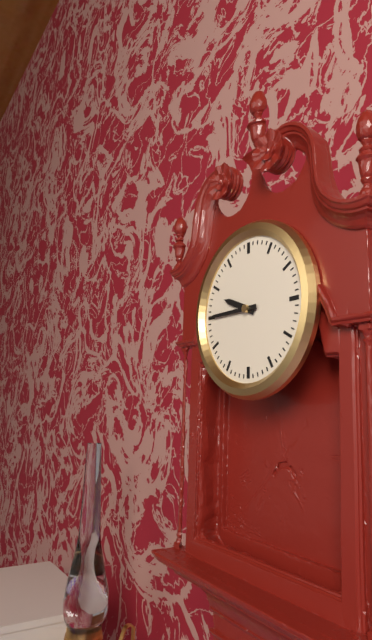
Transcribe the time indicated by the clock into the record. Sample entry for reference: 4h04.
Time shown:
9h45
